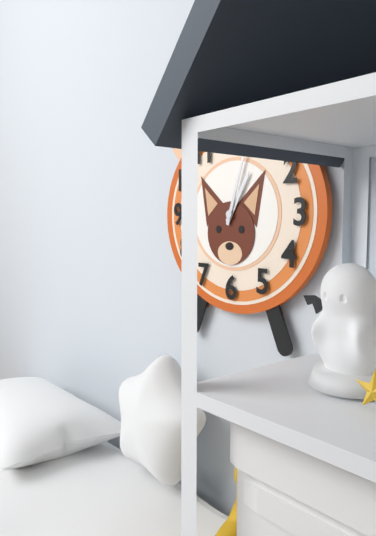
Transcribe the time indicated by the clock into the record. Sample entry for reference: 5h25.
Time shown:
1h03
